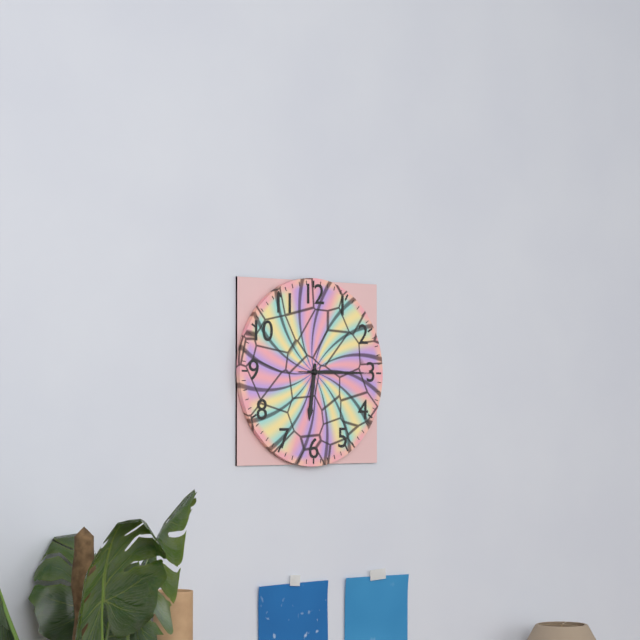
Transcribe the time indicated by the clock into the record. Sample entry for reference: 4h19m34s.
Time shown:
6h15m15s
